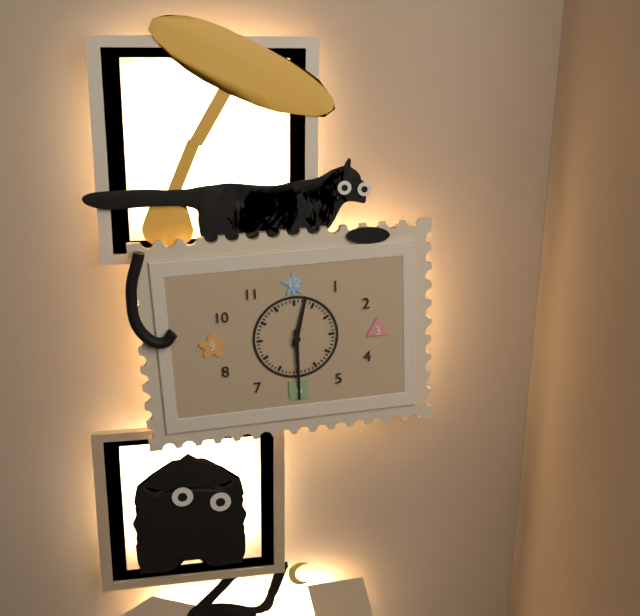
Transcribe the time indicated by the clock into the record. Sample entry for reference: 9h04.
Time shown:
12h30
